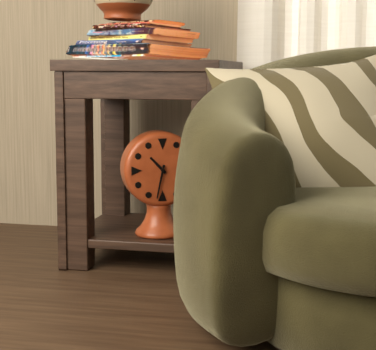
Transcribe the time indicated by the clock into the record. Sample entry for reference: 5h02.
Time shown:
10h32
